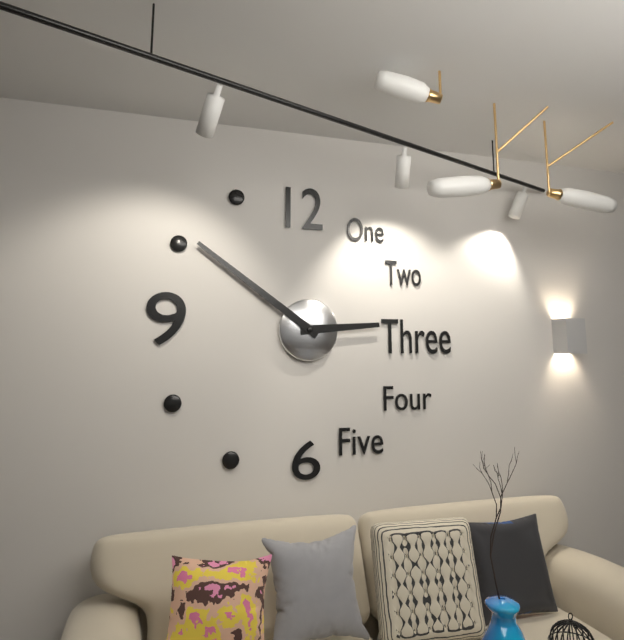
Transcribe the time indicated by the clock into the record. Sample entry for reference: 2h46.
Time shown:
2h51
